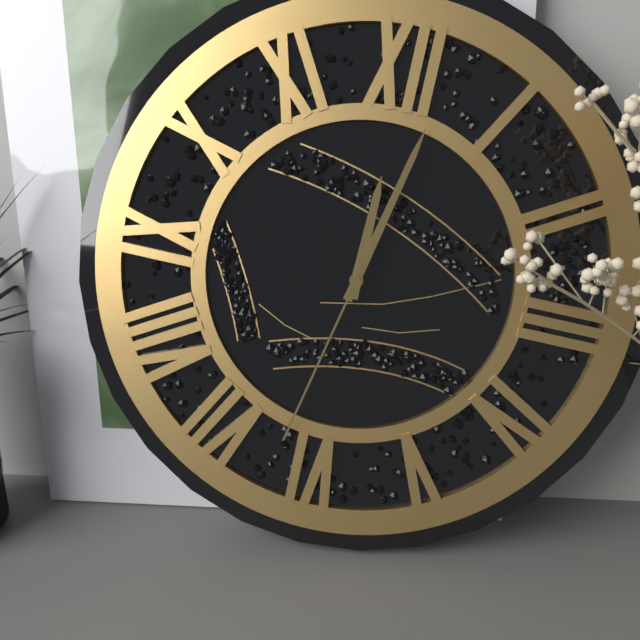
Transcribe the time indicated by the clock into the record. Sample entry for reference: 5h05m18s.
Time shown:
12h02m32s
